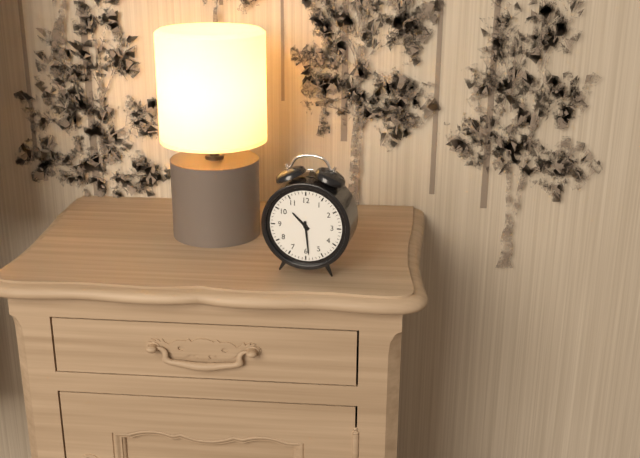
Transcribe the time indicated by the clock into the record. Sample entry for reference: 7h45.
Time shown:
10h29
